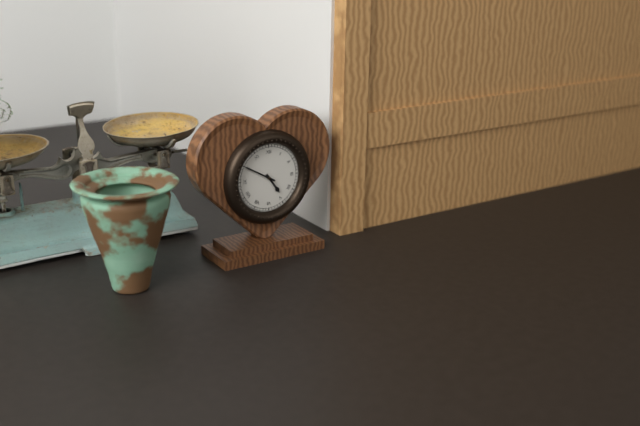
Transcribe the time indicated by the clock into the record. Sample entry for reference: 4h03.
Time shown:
4h50
